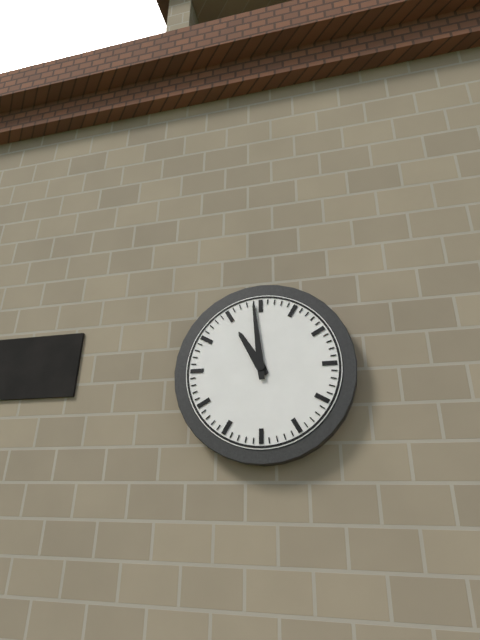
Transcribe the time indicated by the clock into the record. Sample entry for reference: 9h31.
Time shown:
10h59
